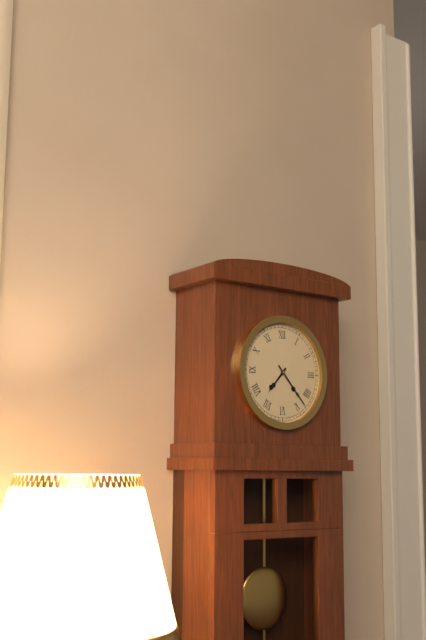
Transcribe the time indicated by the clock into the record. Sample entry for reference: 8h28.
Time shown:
7h23
